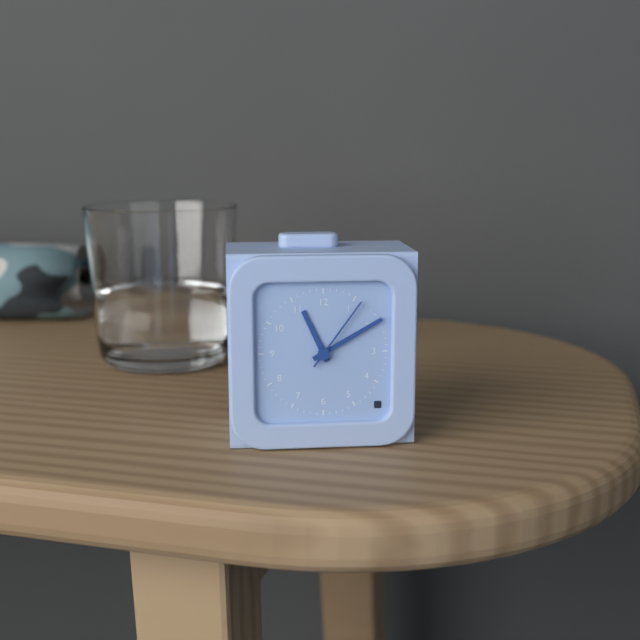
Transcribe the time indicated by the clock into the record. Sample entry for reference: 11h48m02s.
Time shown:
11h10m06s
